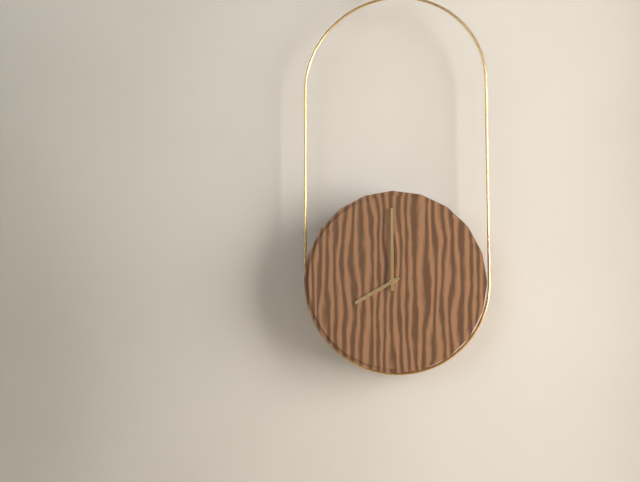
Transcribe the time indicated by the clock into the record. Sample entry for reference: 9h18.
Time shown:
8h00
